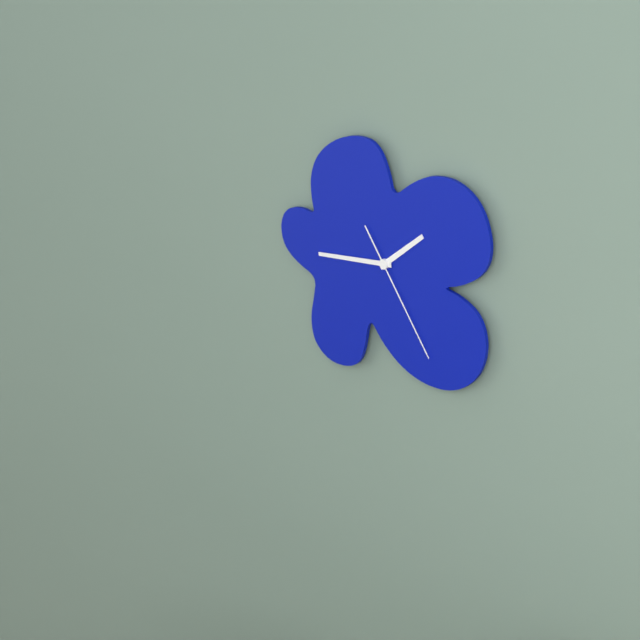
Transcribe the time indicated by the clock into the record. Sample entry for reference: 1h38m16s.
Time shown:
1h44m24s
